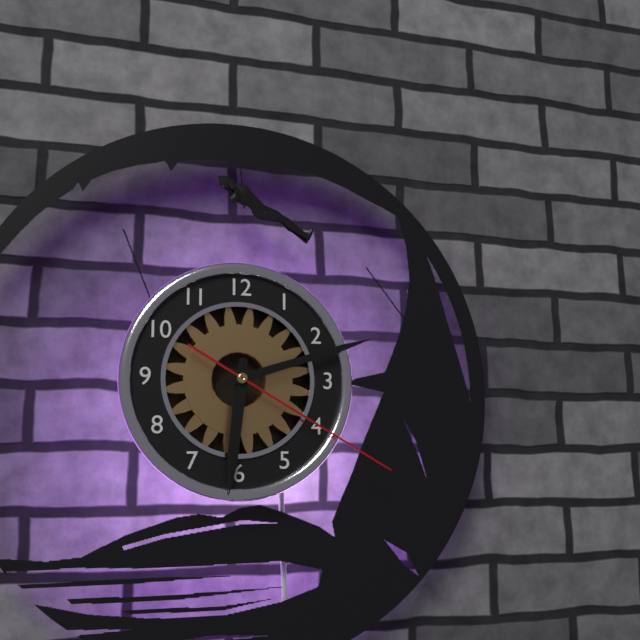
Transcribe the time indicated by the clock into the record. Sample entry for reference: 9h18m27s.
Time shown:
6h12m20s
